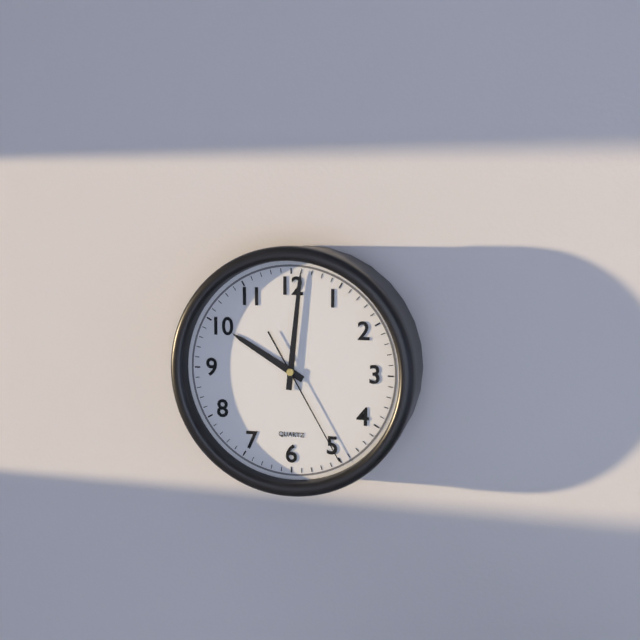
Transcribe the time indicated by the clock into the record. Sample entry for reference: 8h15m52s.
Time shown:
10h01m25s
